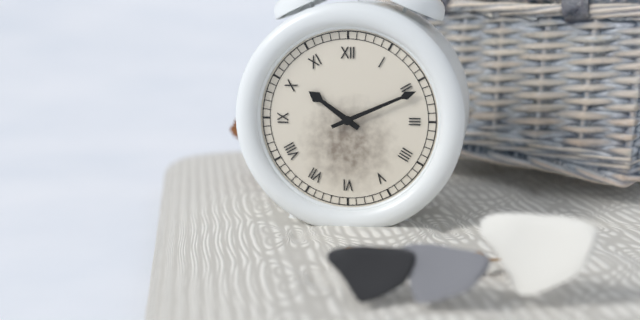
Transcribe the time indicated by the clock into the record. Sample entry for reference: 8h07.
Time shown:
10h11
